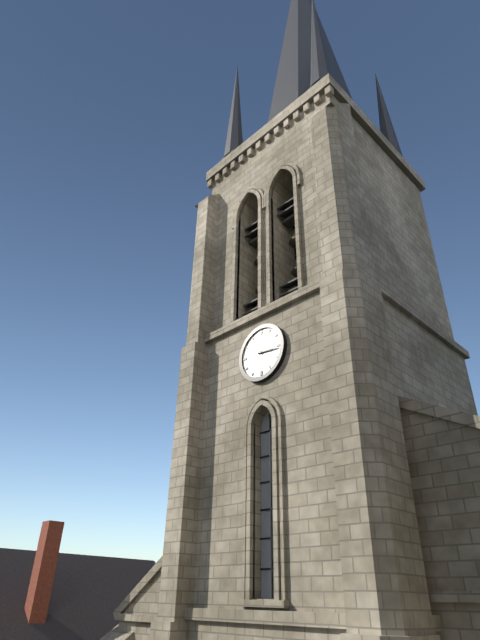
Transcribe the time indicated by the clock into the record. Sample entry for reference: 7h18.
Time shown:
3h16
